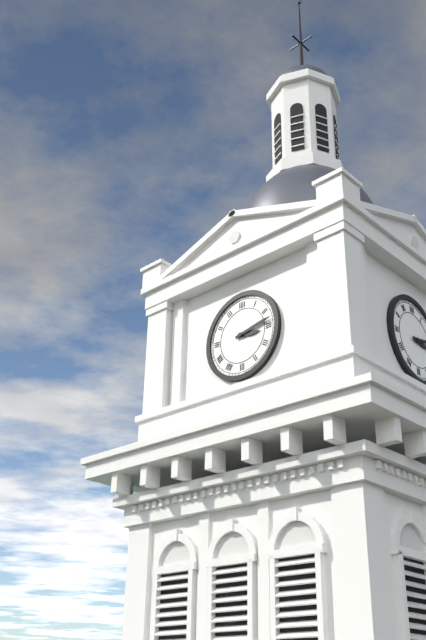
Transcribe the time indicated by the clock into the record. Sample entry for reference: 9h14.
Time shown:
3h13
